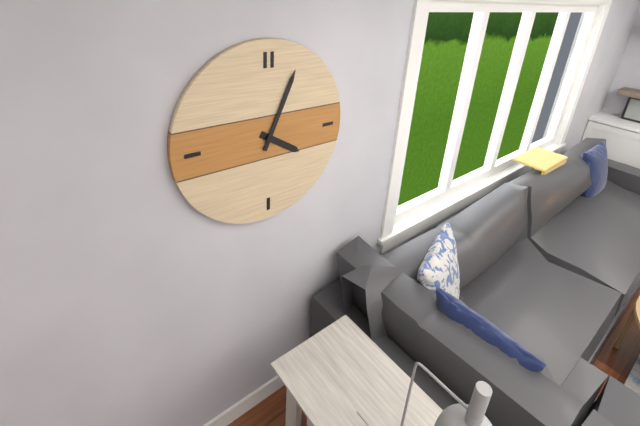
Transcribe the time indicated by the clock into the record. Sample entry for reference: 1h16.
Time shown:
4h04
